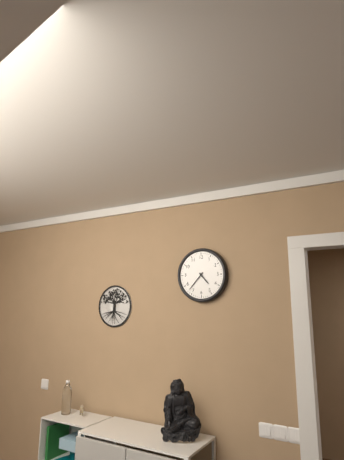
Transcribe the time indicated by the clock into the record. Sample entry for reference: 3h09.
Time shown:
4h37
